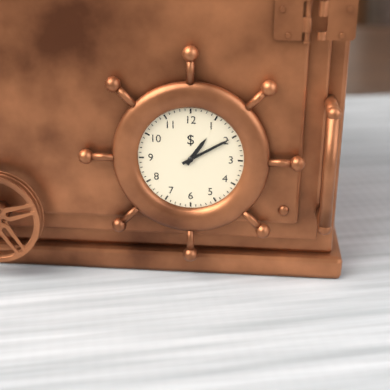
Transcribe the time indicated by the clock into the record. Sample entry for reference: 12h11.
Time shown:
1h10
